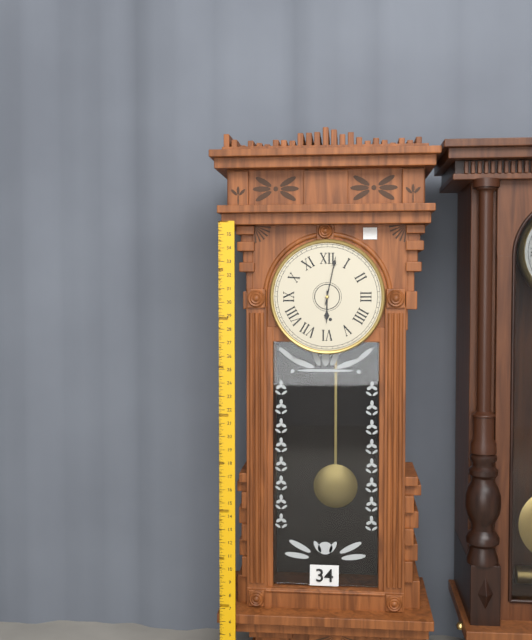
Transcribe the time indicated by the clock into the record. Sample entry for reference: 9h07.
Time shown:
6h02
